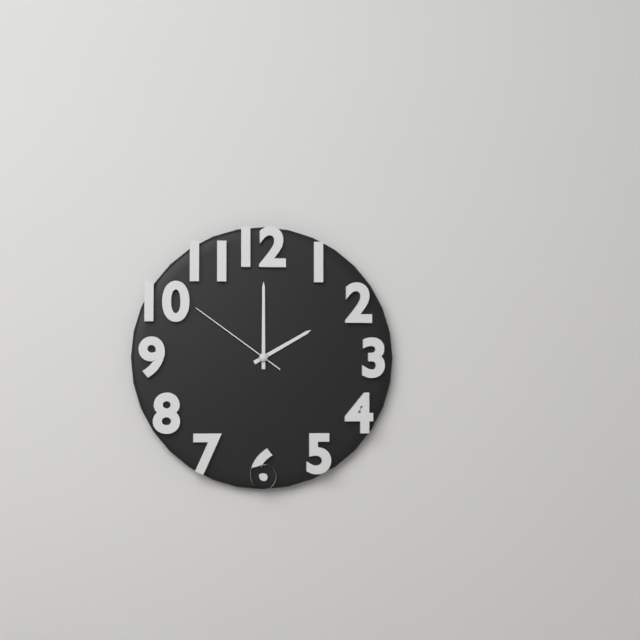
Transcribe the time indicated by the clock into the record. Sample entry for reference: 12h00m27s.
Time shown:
2h00m51s
